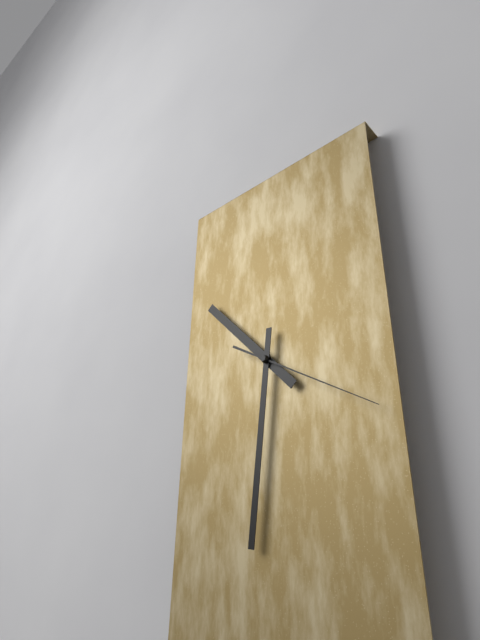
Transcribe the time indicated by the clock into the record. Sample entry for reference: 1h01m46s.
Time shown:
10h31m20s
